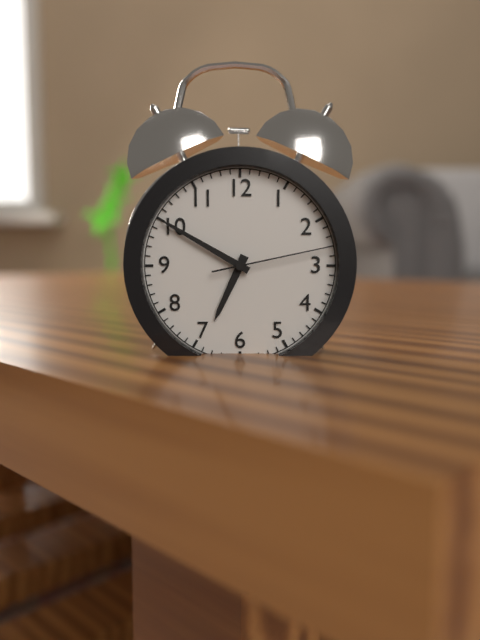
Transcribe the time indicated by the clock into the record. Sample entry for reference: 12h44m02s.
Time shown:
6h50m13s
